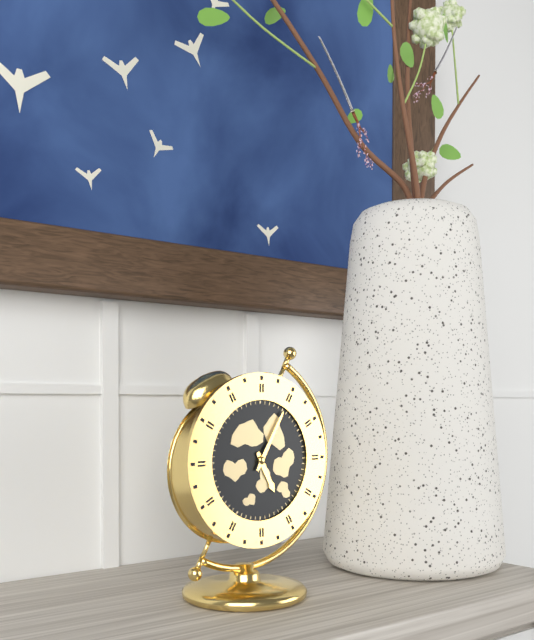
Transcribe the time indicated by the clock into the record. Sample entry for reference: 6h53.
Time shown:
5h05
